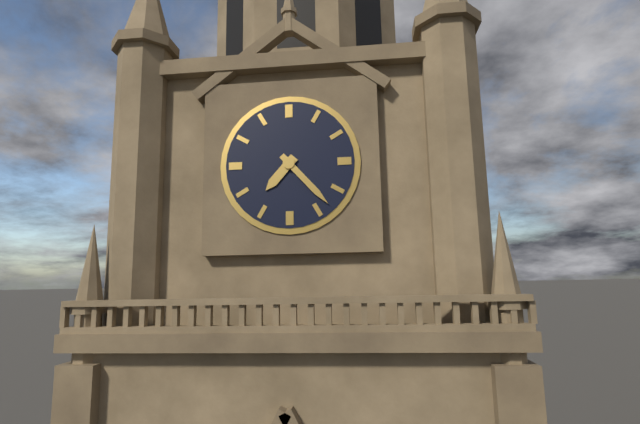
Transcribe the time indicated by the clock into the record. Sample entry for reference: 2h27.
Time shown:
7h23
